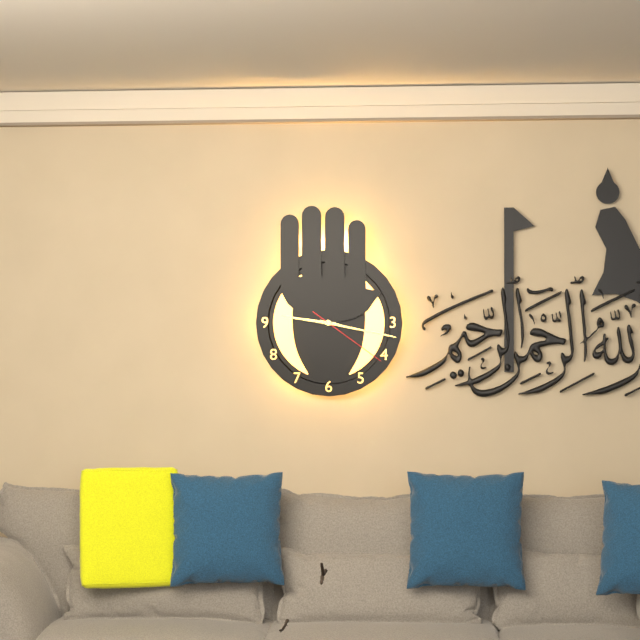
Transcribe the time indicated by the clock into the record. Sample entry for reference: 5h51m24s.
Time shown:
9h17m21s
